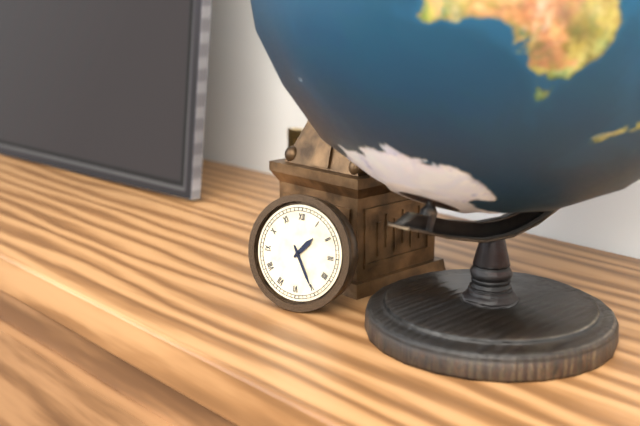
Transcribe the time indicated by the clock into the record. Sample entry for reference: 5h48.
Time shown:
1h25
